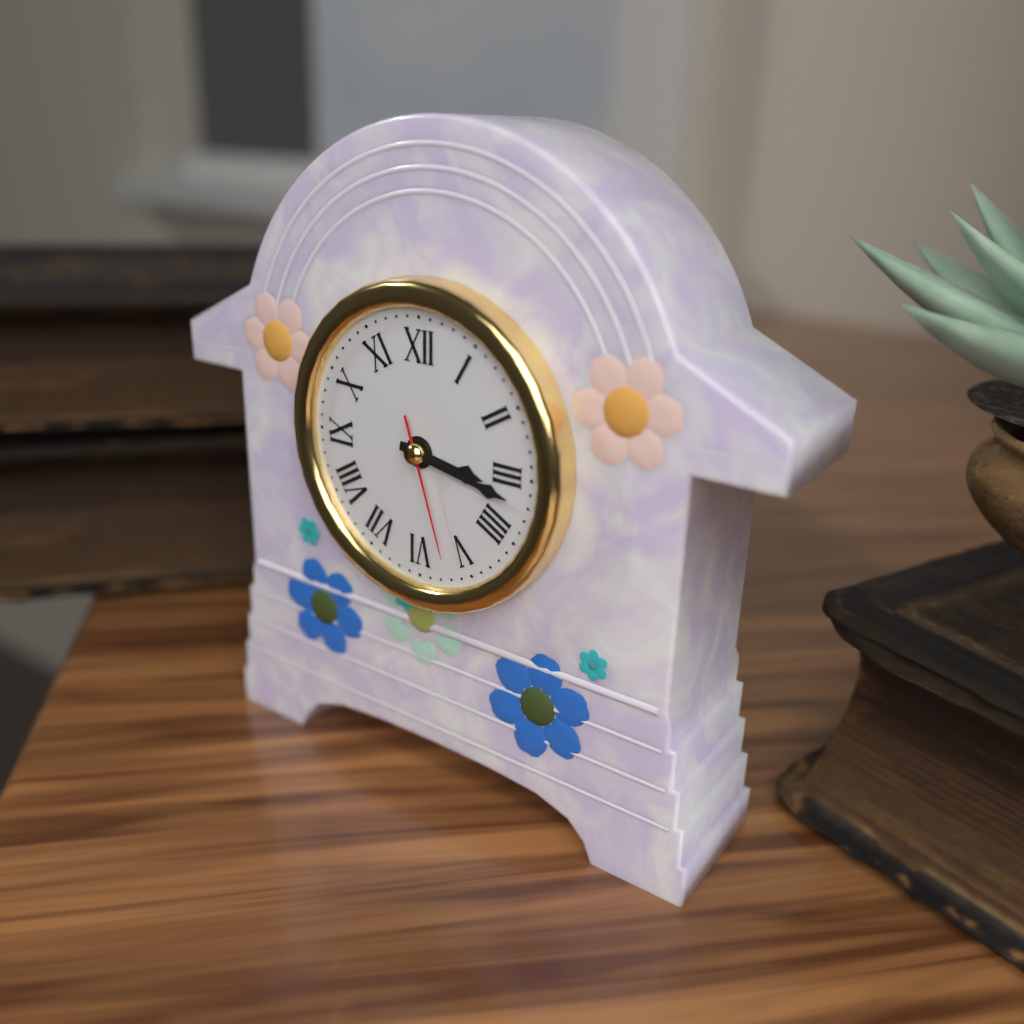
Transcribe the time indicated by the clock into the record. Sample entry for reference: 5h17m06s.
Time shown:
3h17m27s
